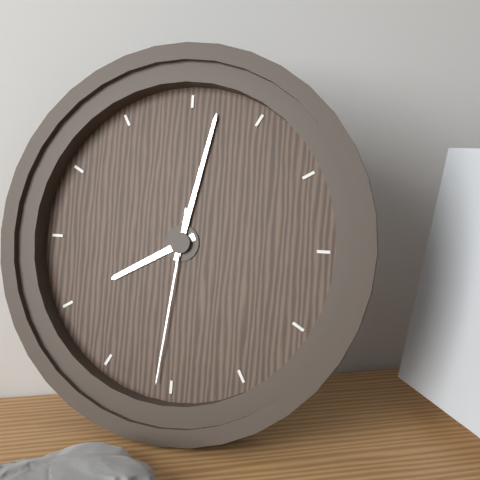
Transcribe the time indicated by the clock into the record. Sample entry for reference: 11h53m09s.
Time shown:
8h02m31s
